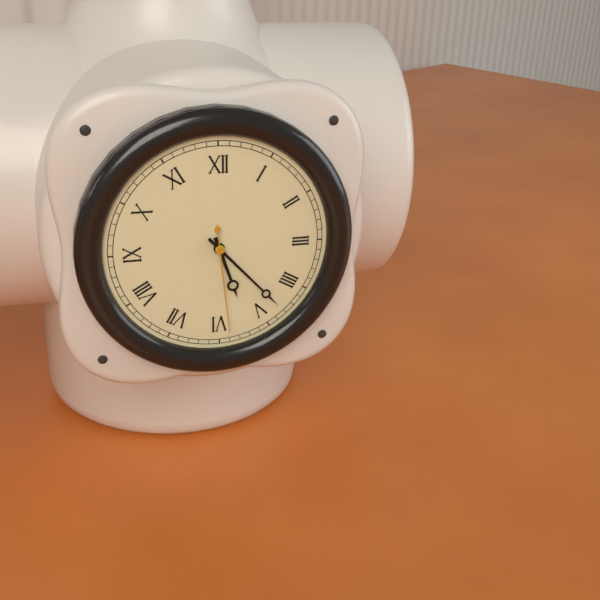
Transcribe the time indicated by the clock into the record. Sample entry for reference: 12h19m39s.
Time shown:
5h23m29s
